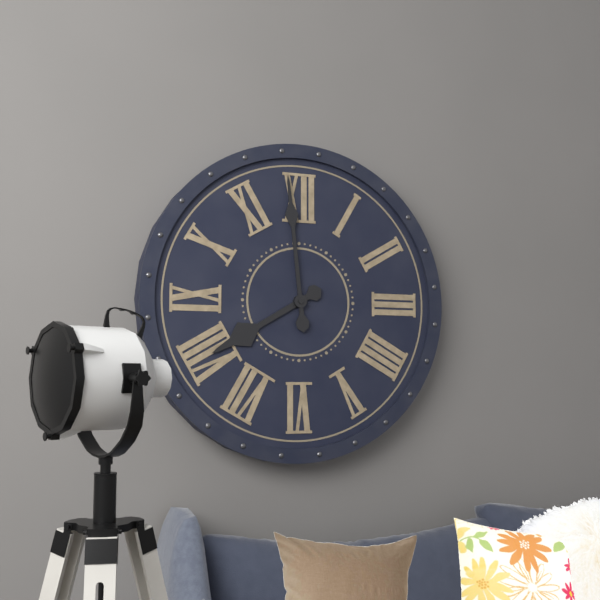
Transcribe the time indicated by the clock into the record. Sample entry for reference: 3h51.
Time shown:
7h59
